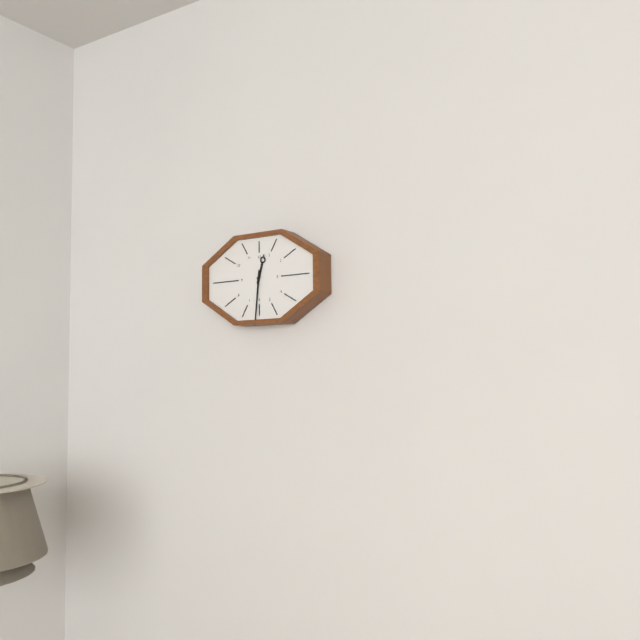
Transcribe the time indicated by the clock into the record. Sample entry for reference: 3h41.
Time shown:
12h31
